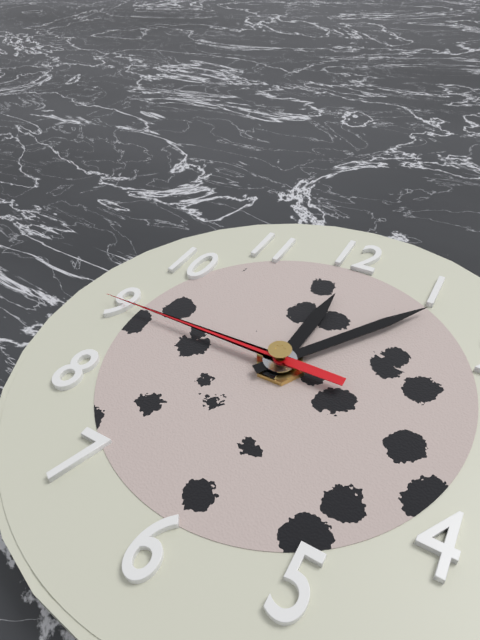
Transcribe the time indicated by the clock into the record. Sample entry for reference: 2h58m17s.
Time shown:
12h06m45s
